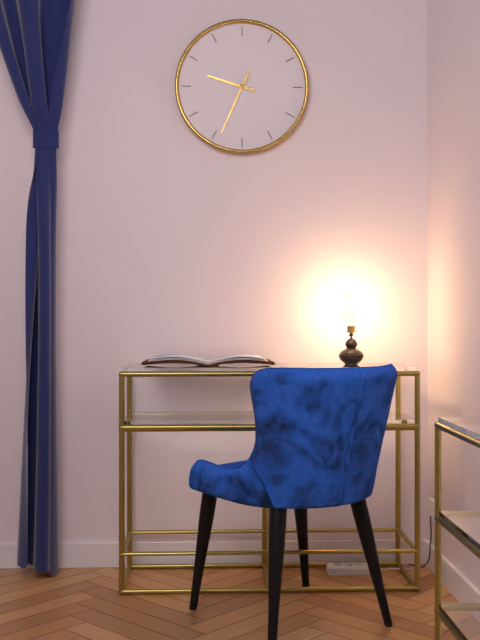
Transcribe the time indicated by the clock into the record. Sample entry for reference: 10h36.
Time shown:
9h34
